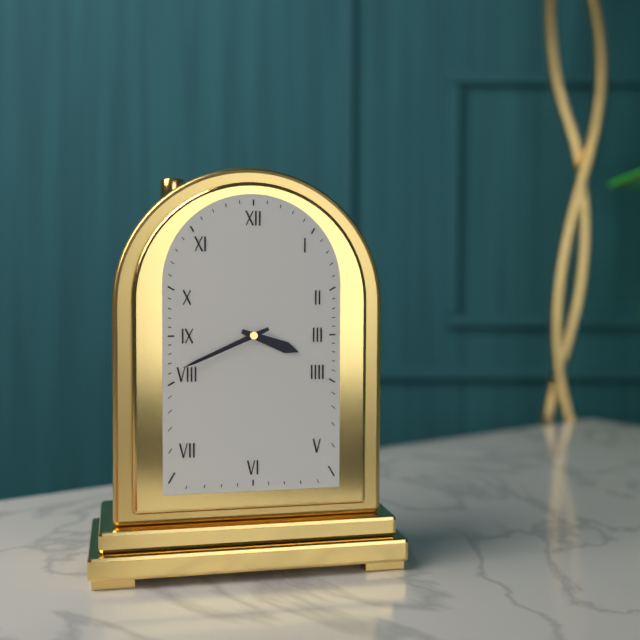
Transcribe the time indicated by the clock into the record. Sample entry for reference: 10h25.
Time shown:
3h41
